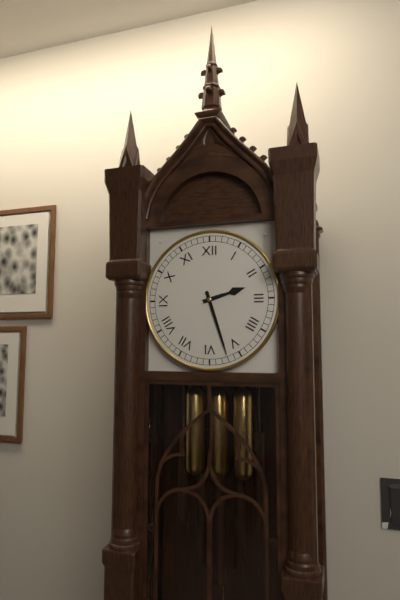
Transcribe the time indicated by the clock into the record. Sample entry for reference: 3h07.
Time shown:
2h27
